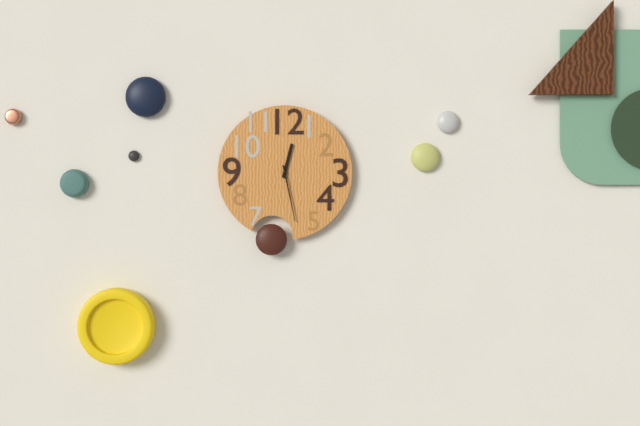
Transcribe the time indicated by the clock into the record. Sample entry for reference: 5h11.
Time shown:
12h28
